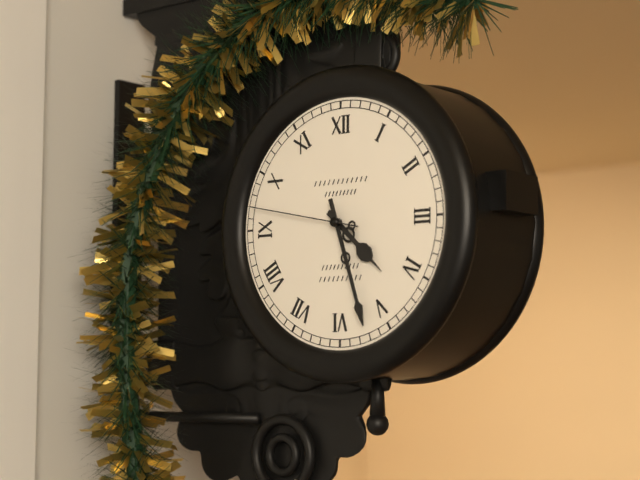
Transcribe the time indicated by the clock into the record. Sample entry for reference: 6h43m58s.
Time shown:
4h27m47s
